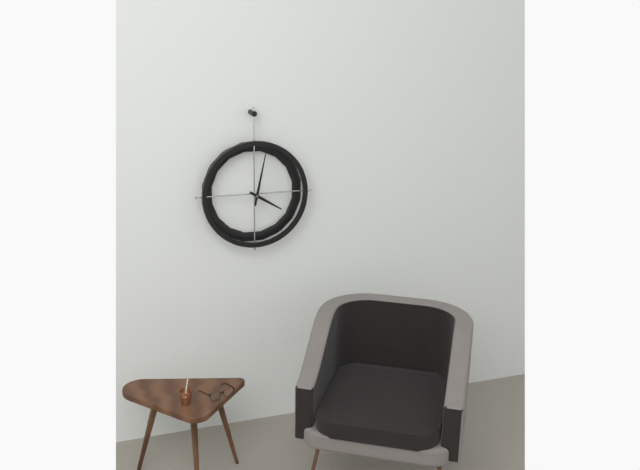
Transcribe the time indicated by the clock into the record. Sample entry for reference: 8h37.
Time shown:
4h02
